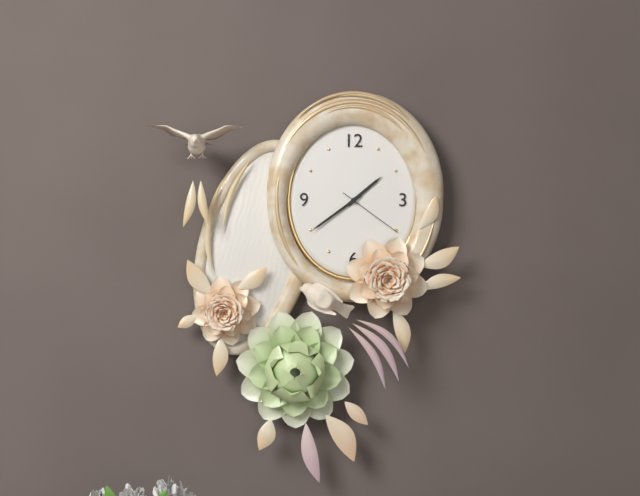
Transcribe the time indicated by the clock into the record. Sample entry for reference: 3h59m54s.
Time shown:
1h39m21s
